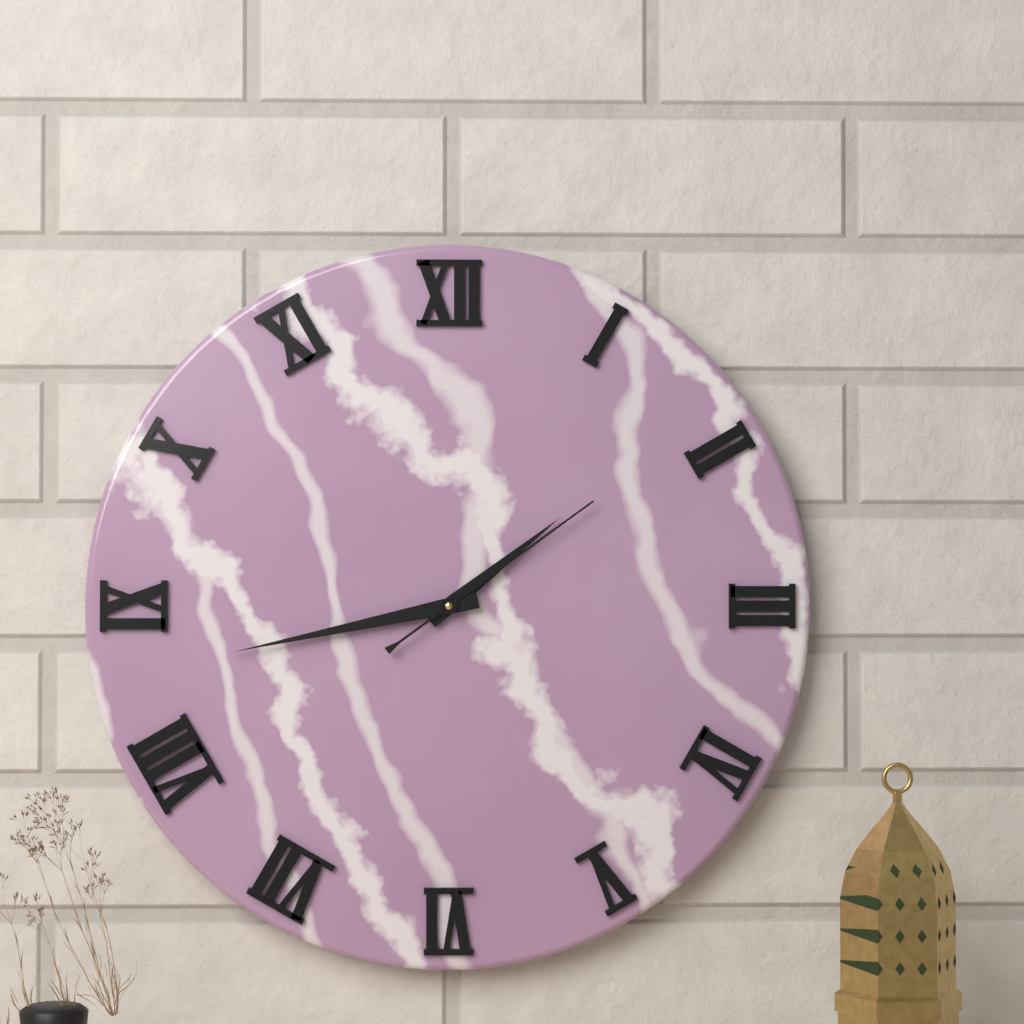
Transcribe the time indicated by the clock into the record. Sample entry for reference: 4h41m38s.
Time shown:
1h43m09s
